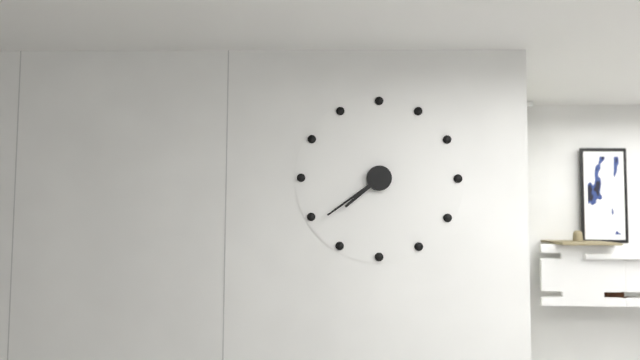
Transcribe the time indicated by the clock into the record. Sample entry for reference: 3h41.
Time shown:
7h39
